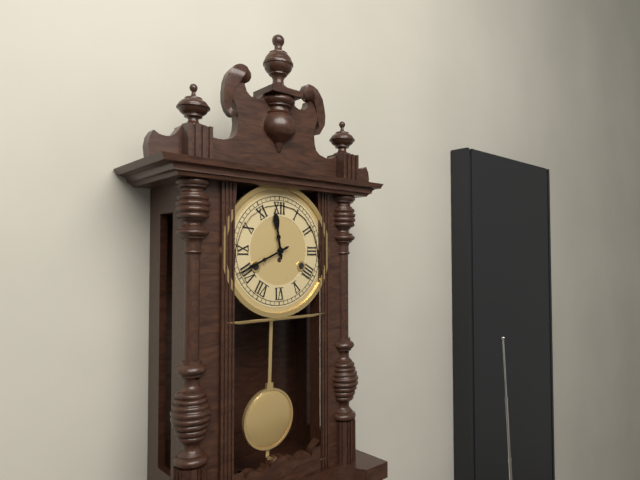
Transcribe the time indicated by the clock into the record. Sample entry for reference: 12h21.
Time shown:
11h41
